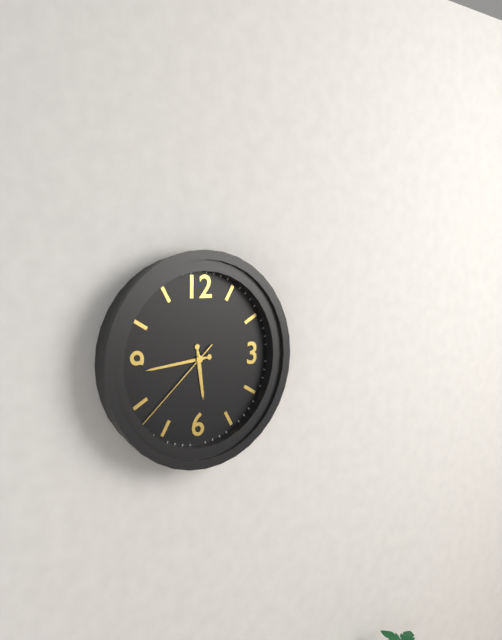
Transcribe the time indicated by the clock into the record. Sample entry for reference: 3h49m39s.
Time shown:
5h44m38s
